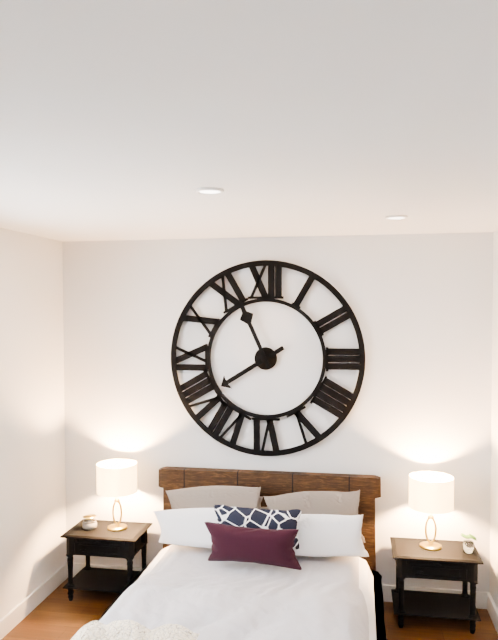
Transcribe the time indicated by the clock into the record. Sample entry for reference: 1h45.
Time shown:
7h56
